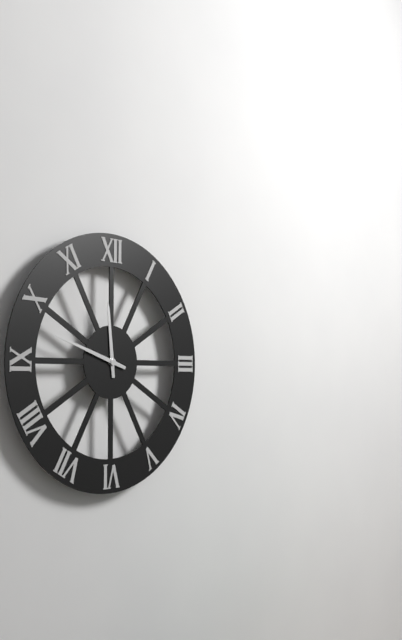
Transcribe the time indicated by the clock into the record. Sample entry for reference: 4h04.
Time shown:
11h48
